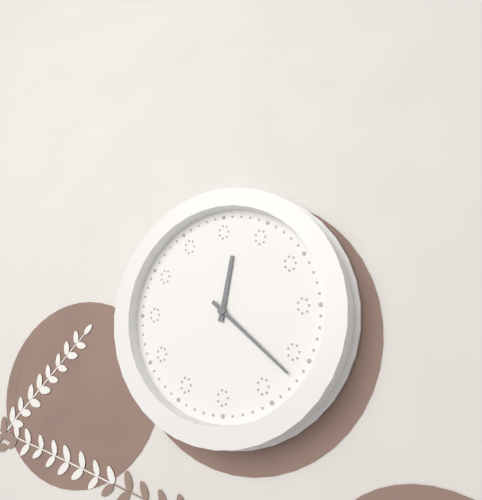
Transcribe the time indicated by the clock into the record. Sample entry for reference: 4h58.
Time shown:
12h22
